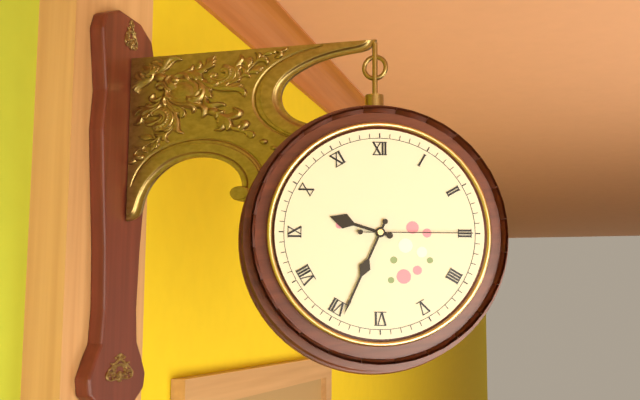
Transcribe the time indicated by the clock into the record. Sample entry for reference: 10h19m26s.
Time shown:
9h34m15s
